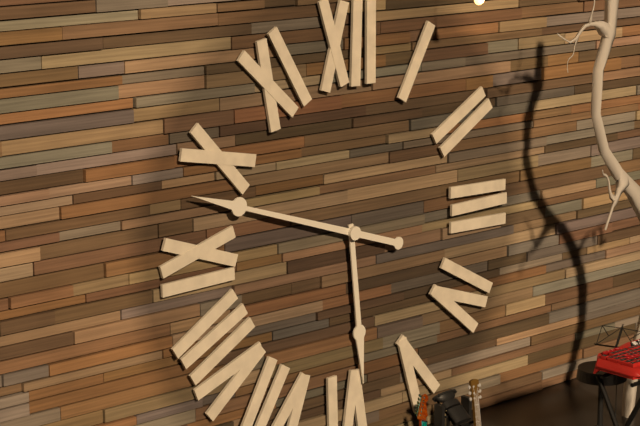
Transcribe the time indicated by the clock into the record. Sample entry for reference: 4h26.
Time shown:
5h48
